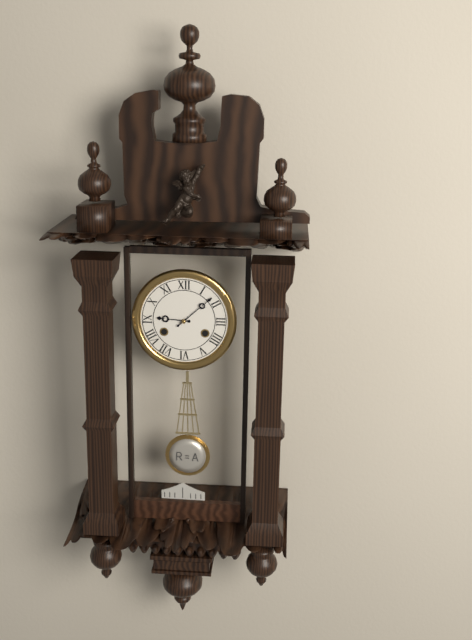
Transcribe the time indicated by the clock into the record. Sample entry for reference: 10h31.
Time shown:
9h08
